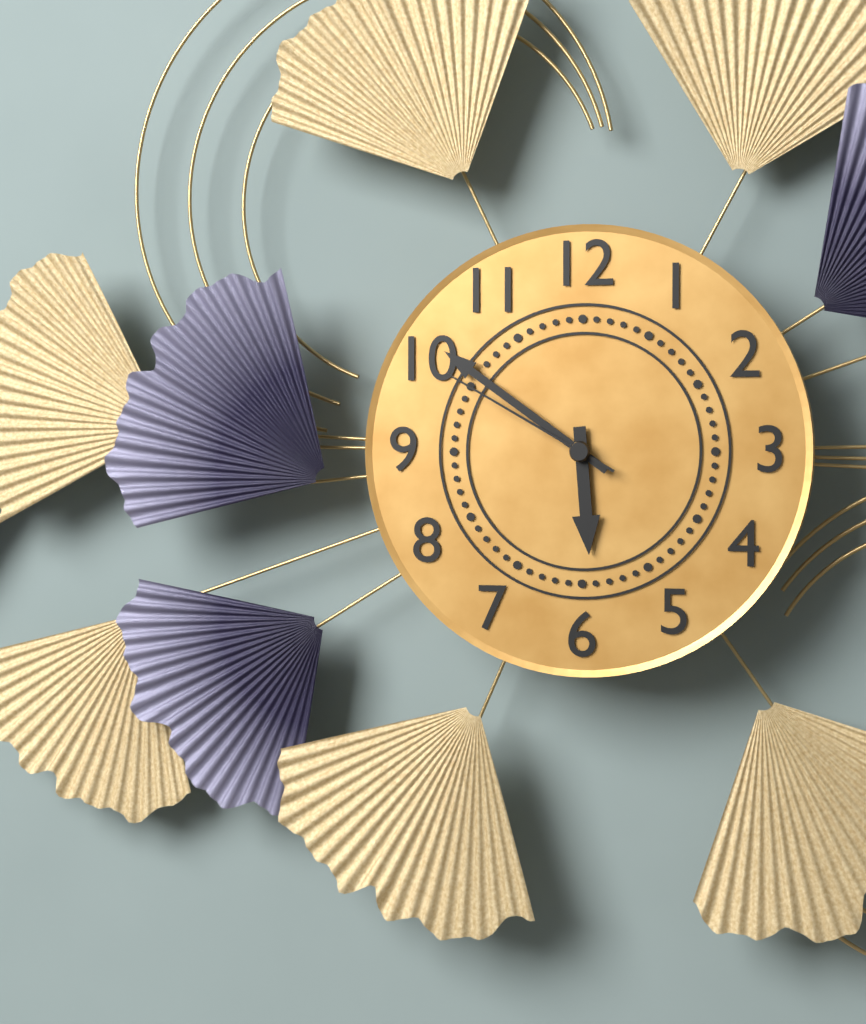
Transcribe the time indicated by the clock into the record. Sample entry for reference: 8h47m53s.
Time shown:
5h51m50s
